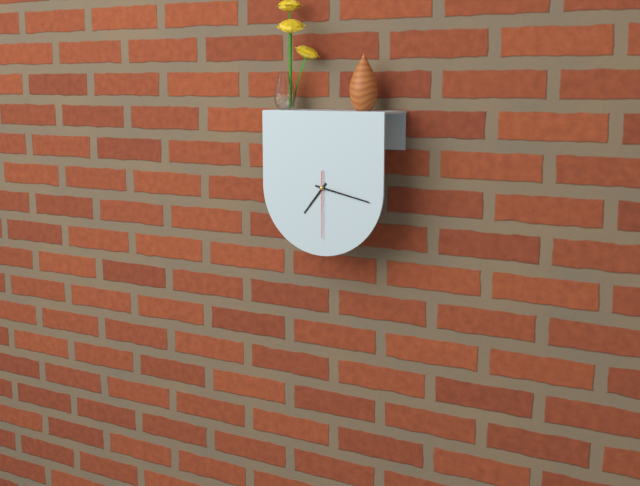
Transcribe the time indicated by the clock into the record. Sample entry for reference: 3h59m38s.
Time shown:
7h17m30s
